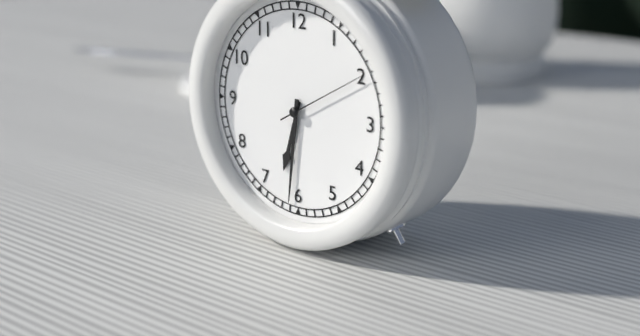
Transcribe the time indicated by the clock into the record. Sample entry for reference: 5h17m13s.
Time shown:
6h31m10s
